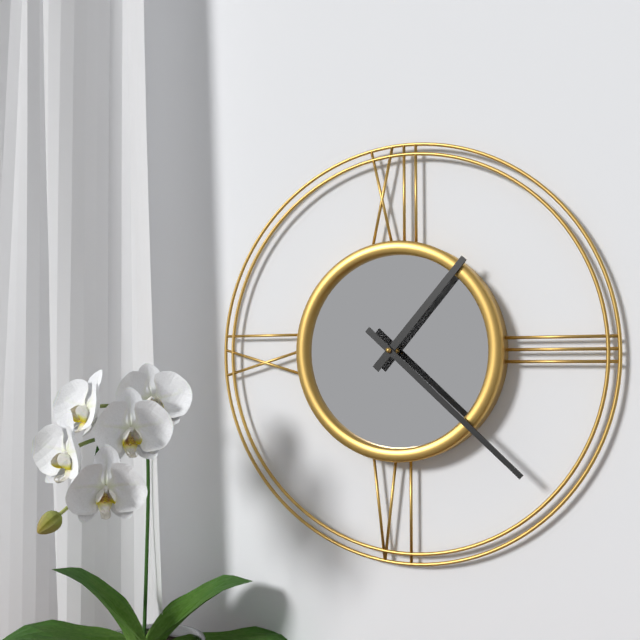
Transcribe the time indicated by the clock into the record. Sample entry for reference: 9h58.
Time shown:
1h22
